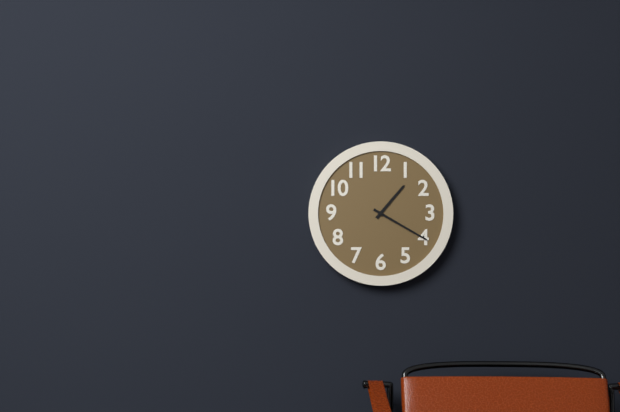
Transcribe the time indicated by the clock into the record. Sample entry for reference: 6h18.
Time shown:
1h20
